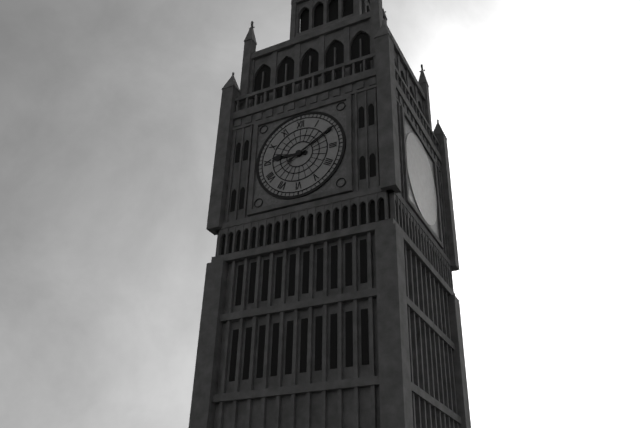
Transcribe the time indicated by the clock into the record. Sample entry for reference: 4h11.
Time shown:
9h10
